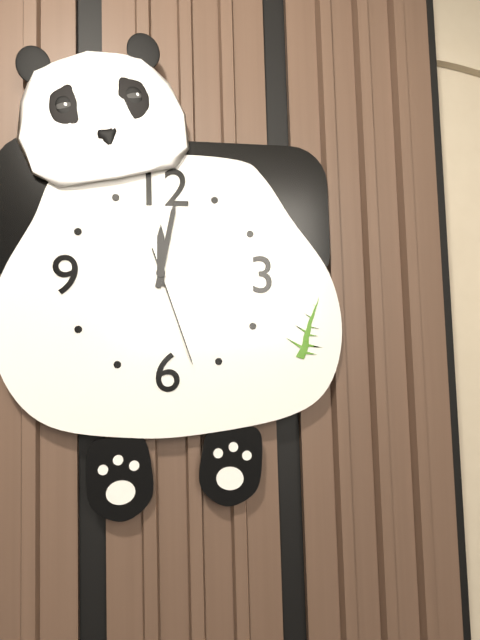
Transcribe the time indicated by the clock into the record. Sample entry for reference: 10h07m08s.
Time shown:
12h02m27s
